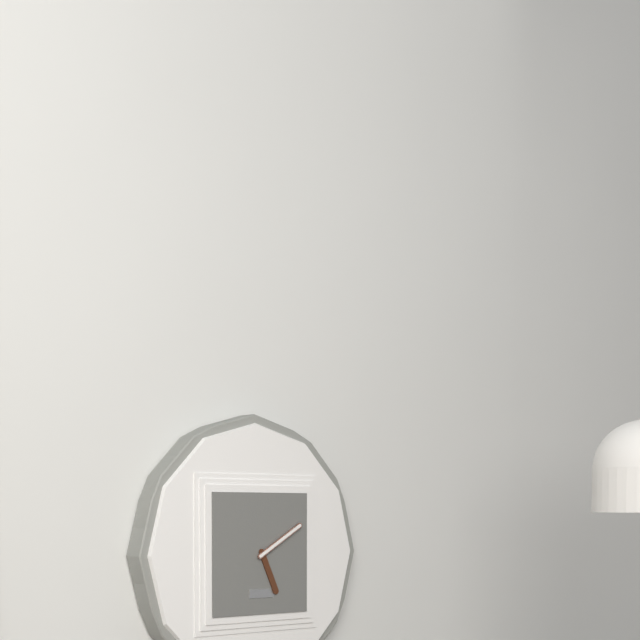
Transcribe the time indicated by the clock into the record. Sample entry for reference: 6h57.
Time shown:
5h10
